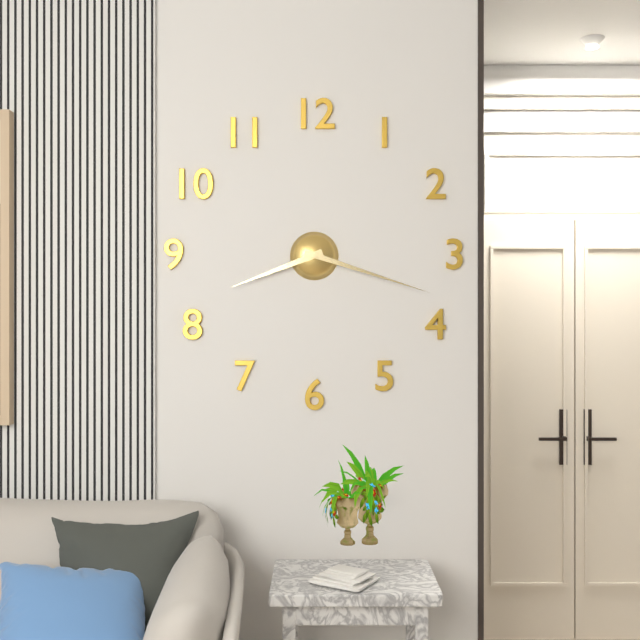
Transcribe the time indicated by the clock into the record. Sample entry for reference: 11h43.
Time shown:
8h18
